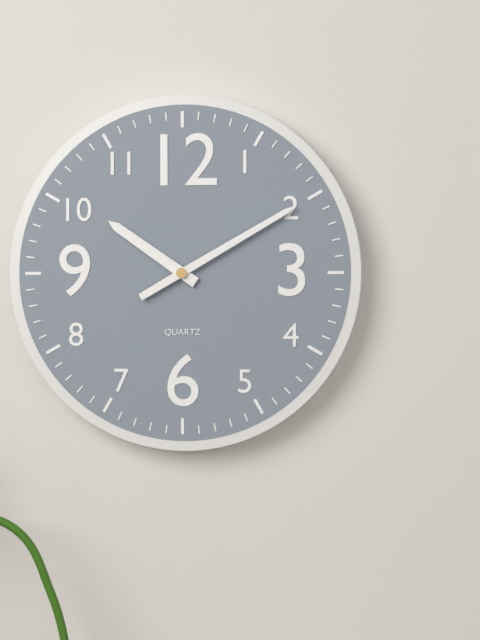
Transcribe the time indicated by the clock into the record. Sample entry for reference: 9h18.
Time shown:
10h10
